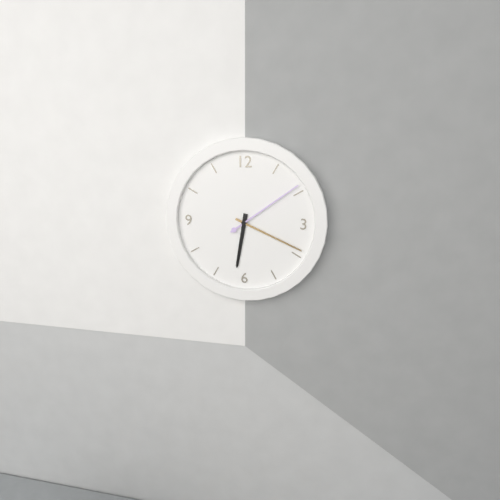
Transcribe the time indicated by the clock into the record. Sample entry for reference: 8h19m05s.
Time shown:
6h19m09s
